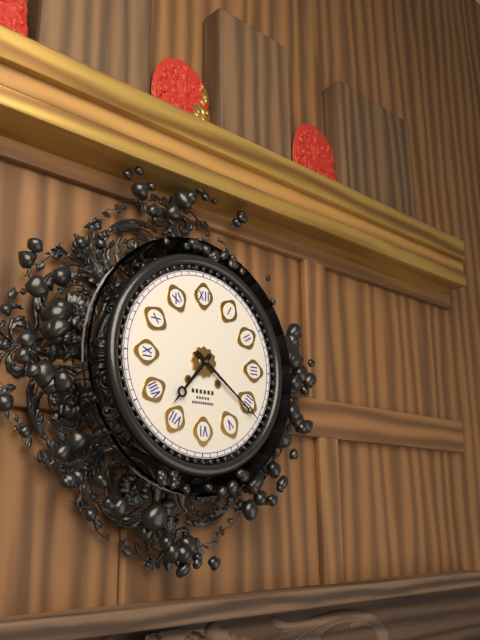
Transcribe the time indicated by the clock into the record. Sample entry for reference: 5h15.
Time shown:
7h21
